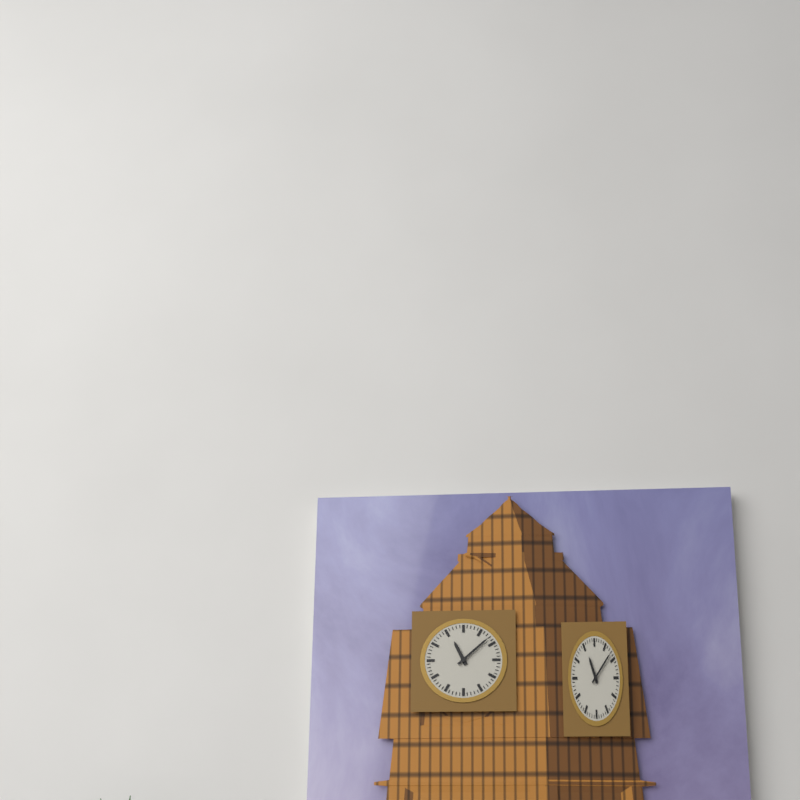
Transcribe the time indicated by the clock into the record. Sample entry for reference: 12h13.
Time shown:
11h08
